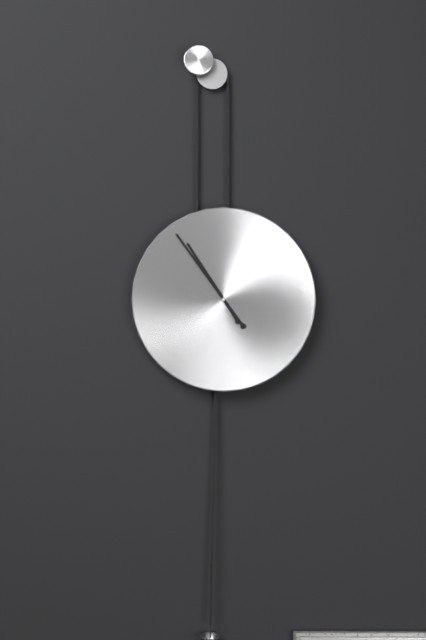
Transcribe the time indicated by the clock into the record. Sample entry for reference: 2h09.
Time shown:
10h54
